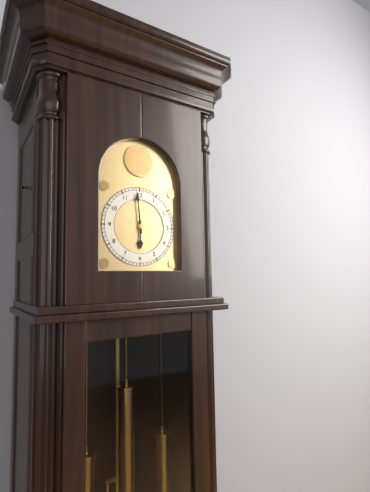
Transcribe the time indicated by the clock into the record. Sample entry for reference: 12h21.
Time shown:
5h59
